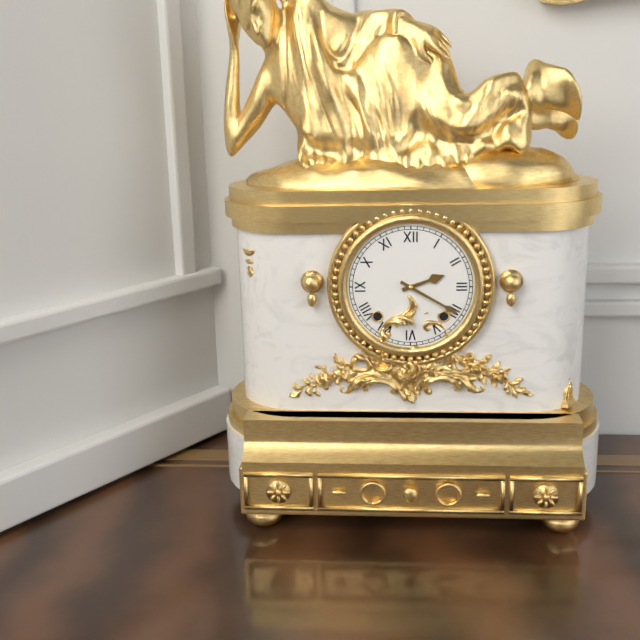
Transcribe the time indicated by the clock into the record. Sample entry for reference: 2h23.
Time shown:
2h20
